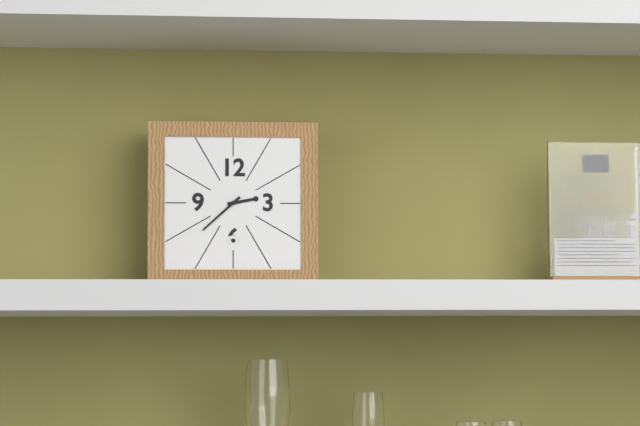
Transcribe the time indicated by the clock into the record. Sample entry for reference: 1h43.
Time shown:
2h38
